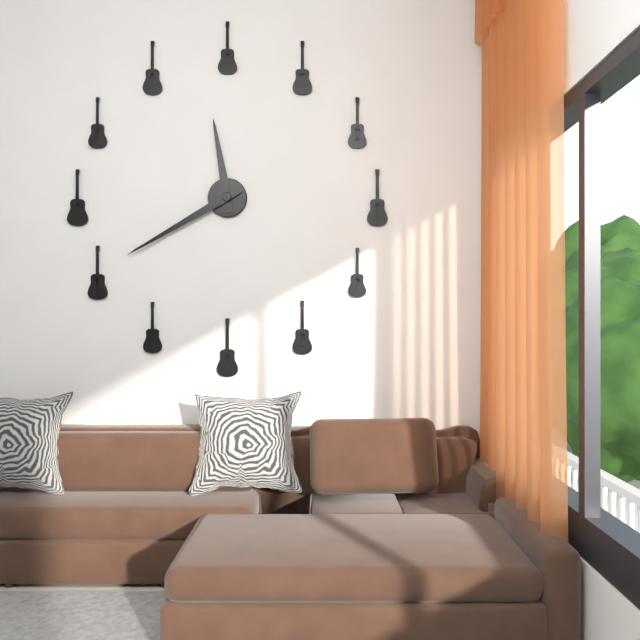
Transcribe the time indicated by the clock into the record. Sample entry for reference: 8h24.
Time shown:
11h40
